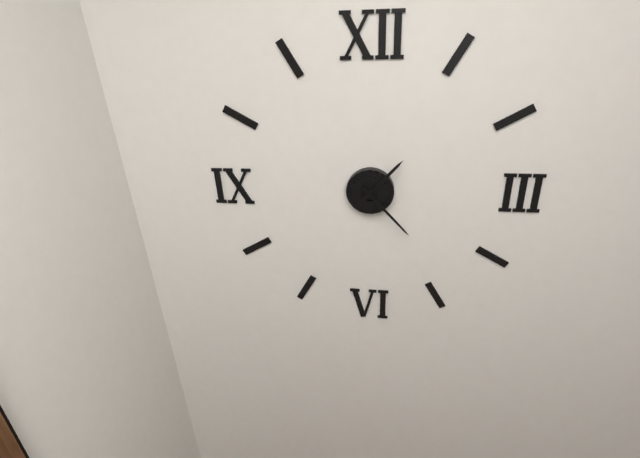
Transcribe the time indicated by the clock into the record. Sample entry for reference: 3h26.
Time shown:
1h23
